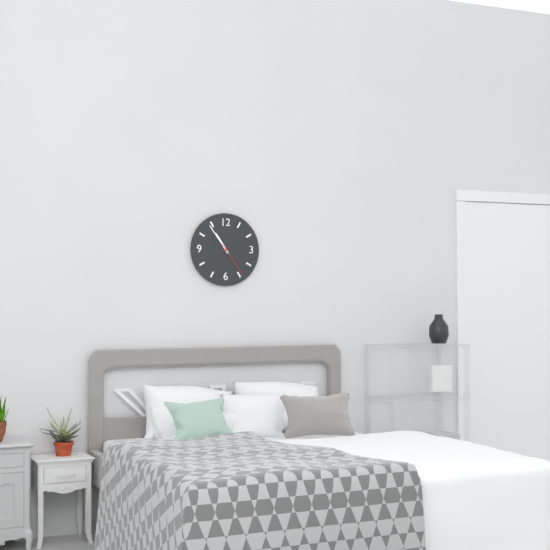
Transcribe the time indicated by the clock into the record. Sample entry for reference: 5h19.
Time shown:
10h54
